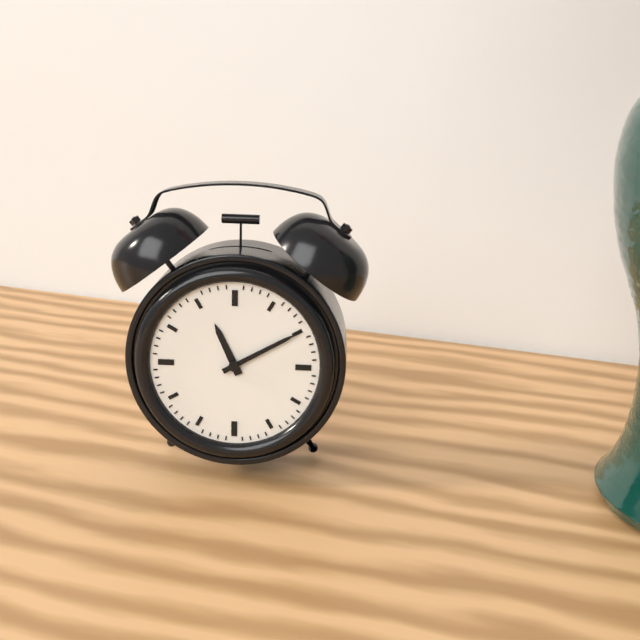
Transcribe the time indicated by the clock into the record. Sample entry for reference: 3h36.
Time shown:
11h10
